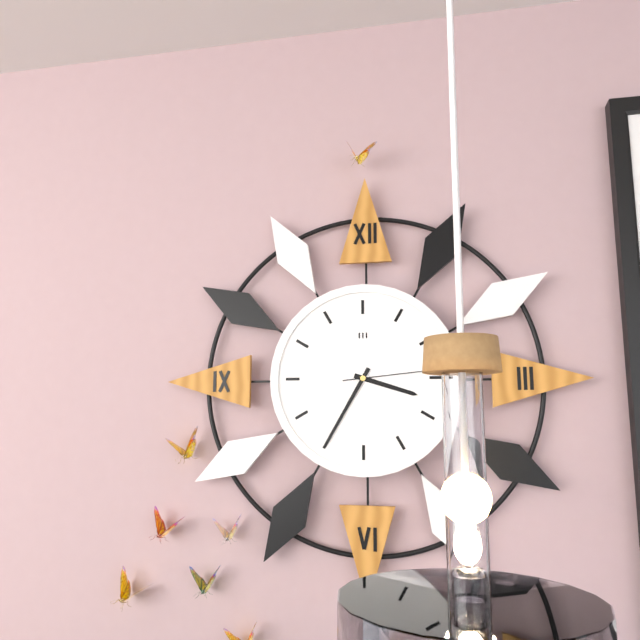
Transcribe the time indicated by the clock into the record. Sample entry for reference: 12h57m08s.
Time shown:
3h35m14s
